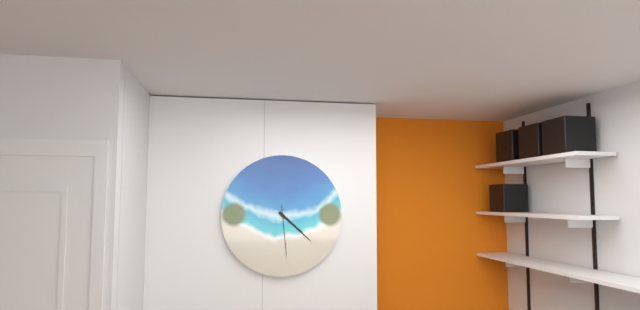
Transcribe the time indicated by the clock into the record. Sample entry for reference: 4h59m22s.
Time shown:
4h22m29s
